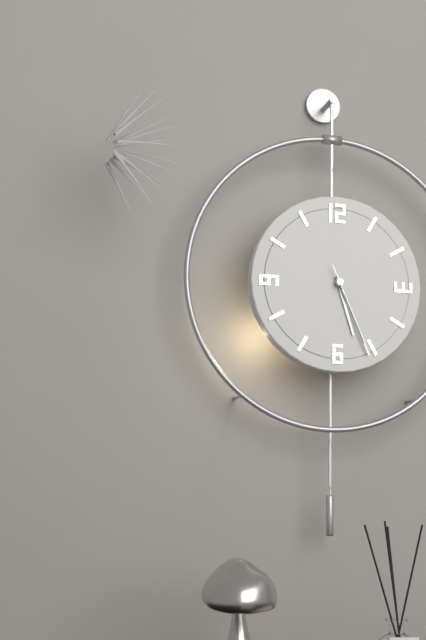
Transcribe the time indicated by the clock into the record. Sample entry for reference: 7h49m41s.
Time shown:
5h26m26s
